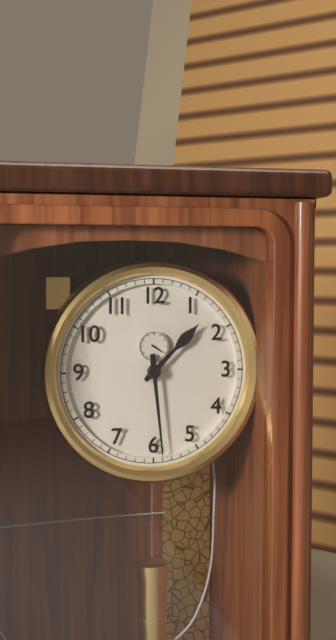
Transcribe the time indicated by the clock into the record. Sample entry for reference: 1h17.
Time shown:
1h29
